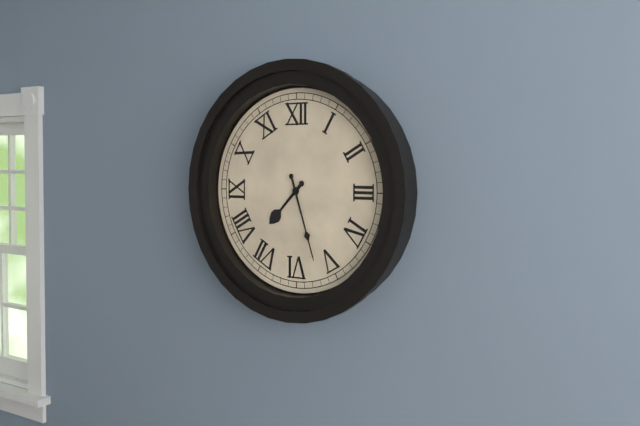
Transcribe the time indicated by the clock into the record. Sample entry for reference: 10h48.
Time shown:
7h27
